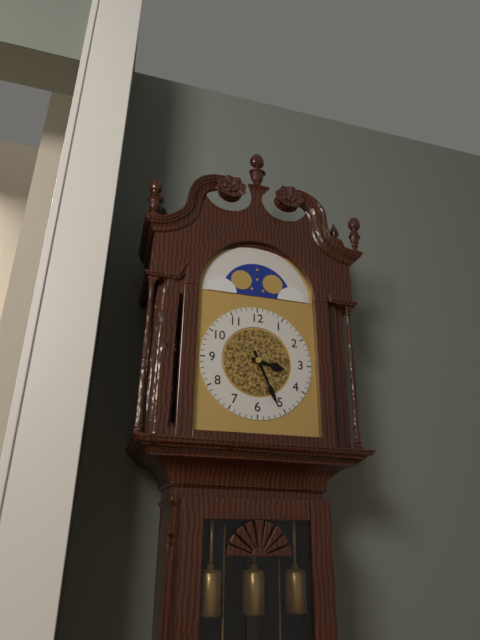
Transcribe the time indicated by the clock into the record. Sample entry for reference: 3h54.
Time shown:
3h26
